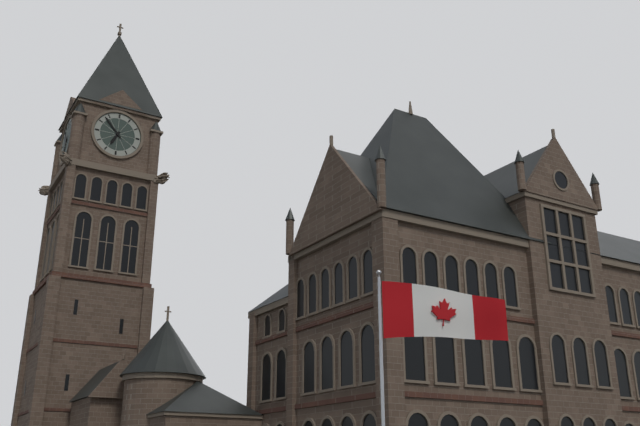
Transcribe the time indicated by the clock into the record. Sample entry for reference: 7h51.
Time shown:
6h53
